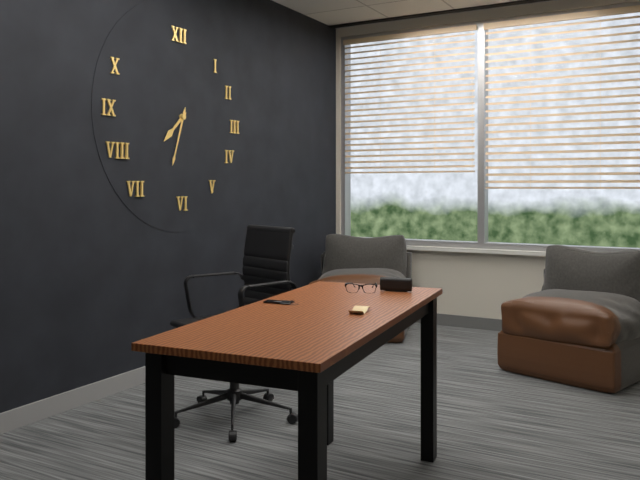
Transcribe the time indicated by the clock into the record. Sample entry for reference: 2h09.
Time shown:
7h33
